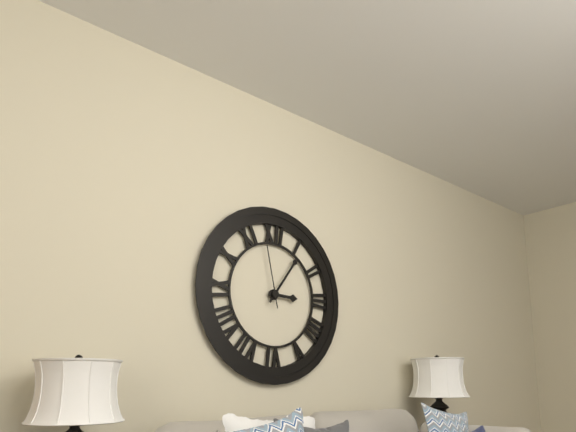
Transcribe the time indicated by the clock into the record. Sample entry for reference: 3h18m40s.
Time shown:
3h06m58s
